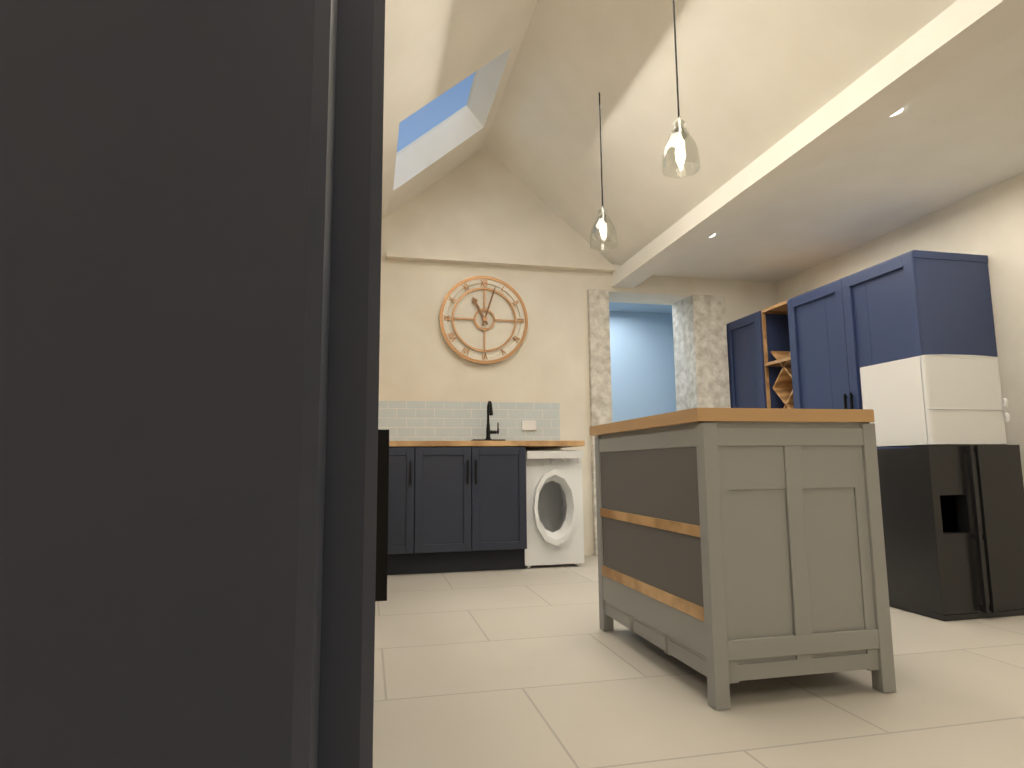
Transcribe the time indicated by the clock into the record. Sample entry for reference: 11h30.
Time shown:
11h03
